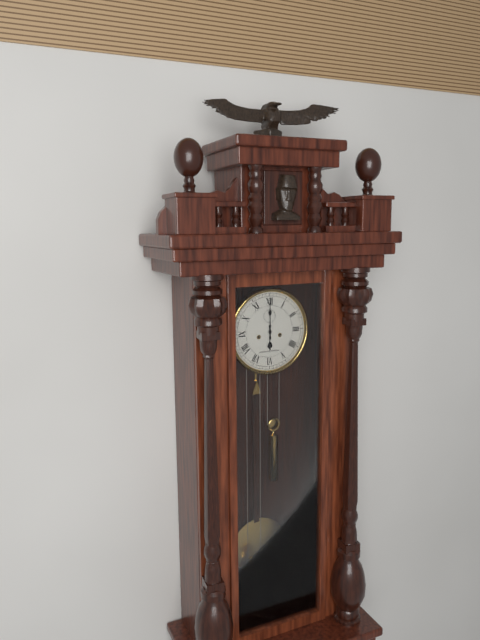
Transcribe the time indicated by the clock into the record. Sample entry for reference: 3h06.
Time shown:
6h00
